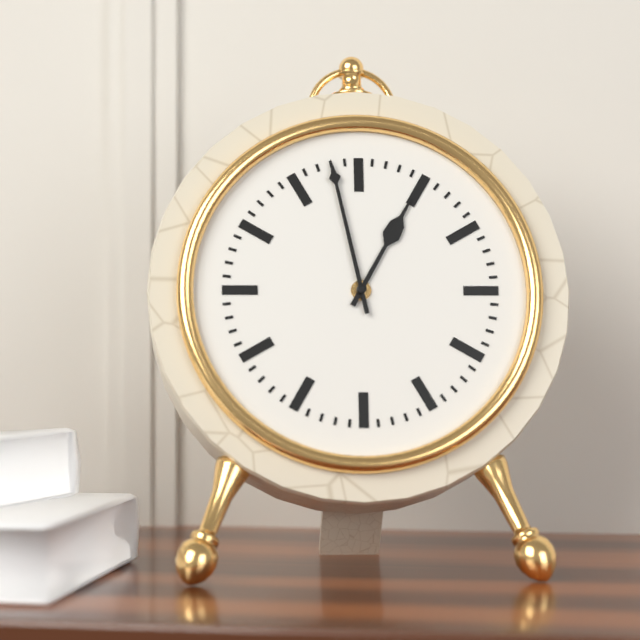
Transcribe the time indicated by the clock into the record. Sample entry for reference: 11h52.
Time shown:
12h58
